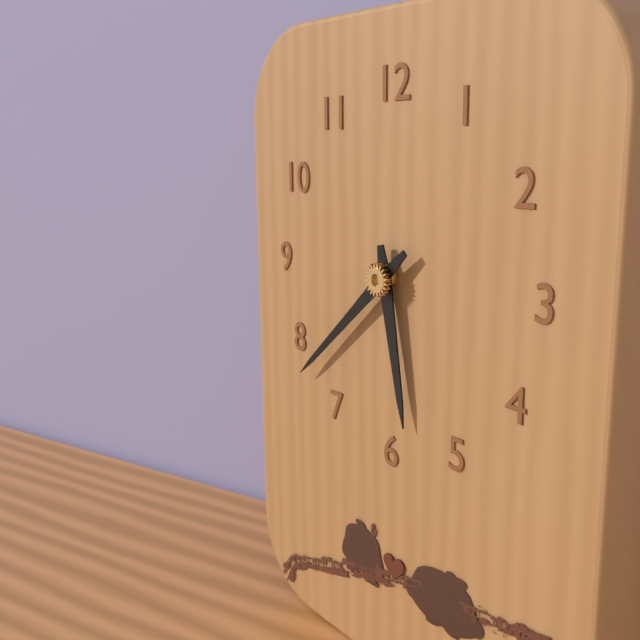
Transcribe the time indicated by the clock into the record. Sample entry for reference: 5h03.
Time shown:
5h38
